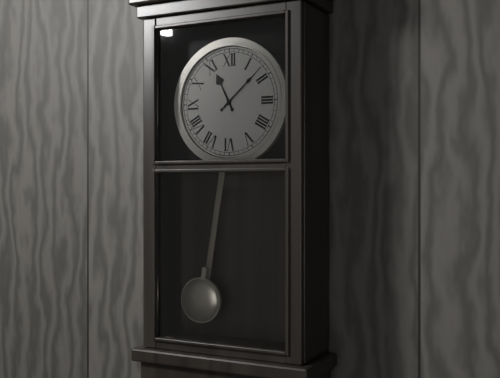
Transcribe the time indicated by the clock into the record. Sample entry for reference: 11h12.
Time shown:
11h08
